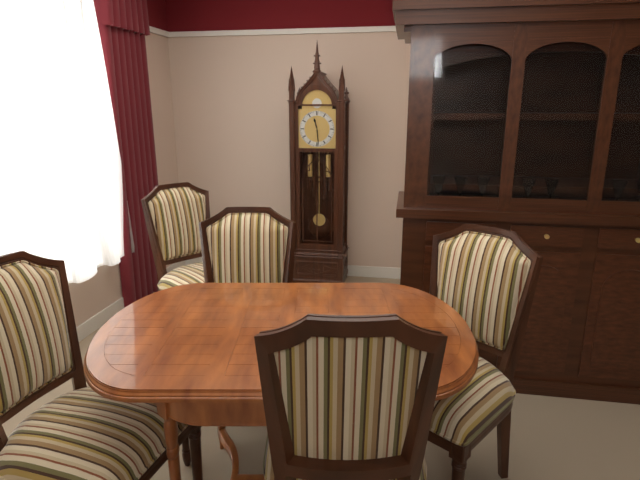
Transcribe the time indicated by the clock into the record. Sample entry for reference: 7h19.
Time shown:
11h29
